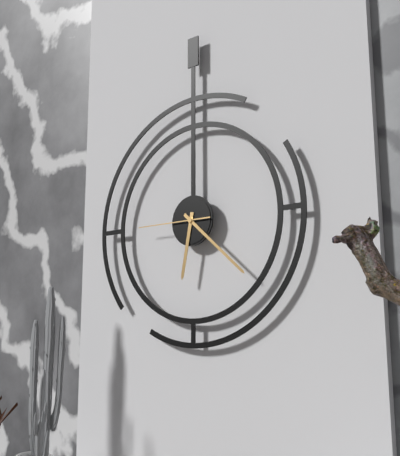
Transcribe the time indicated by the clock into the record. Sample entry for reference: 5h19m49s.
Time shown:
6h22m45s
